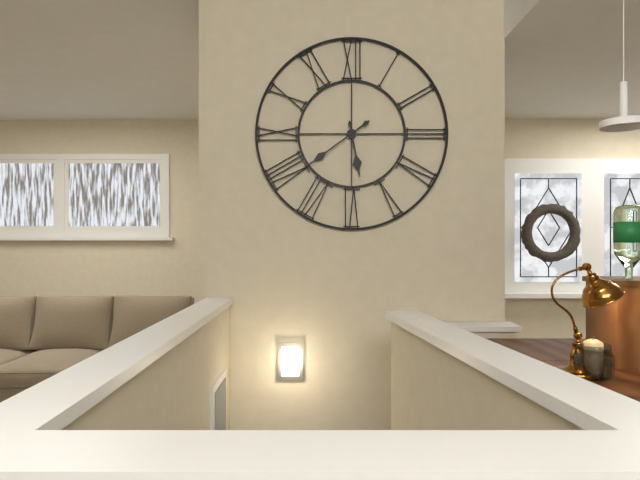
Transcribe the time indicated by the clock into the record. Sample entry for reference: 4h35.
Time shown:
5h39
